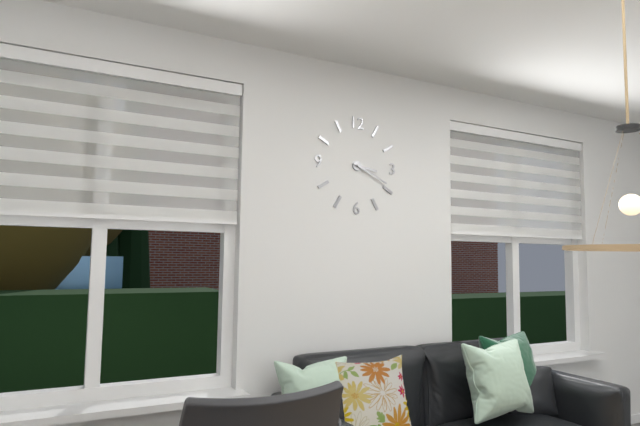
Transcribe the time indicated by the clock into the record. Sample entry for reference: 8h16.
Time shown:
3h19
